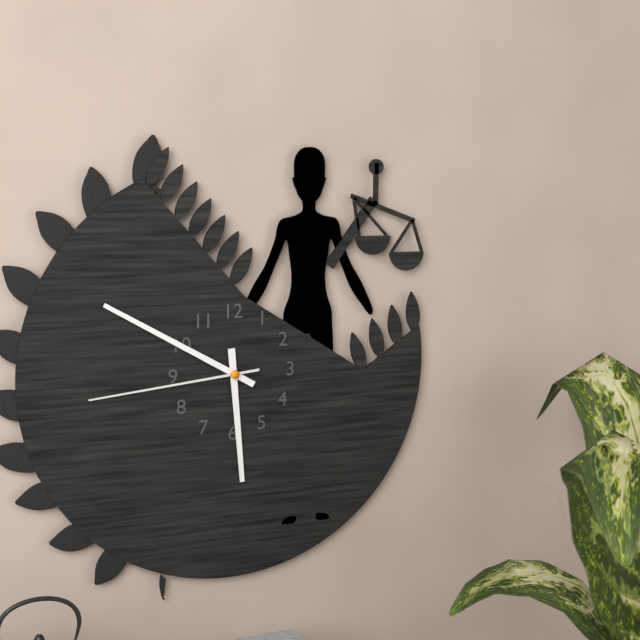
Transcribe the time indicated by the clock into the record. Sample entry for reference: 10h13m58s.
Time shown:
5h50m44s
